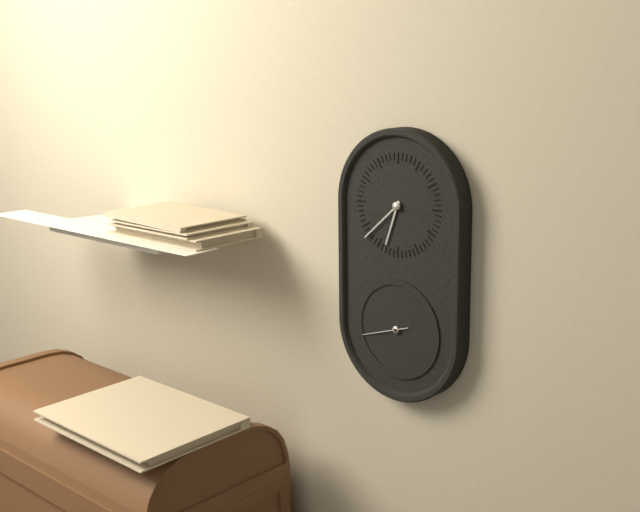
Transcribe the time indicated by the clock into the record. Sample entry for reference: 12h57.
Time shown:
6h38
